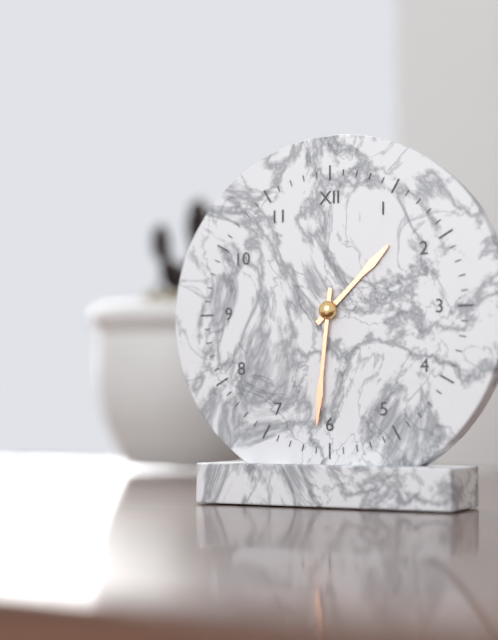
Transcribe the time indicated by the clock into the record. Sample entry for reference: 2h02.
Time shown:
1h31
